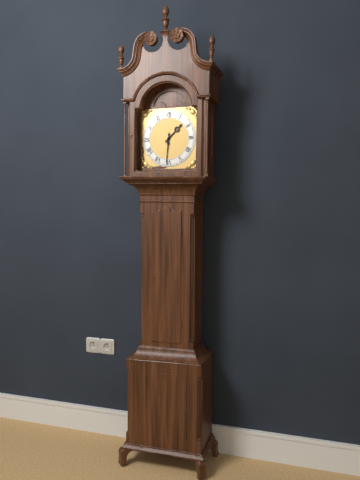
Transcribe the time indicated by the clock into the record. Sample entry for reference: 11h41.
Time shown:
1h31
